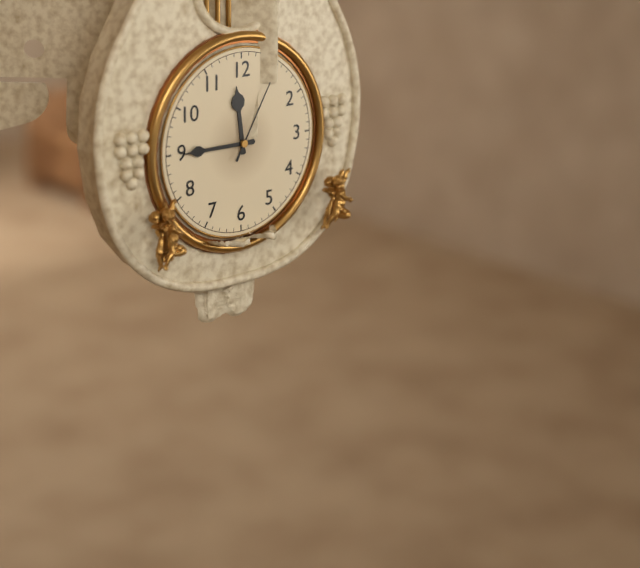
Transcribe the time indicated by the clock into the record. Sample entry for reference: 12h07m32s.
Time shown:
11h45m05s
